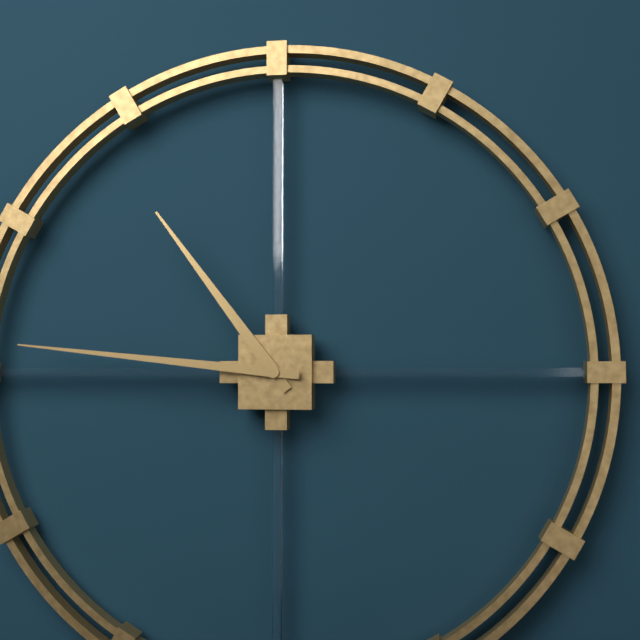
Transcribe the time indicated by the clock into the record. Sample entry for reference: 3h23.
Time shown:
10h46
